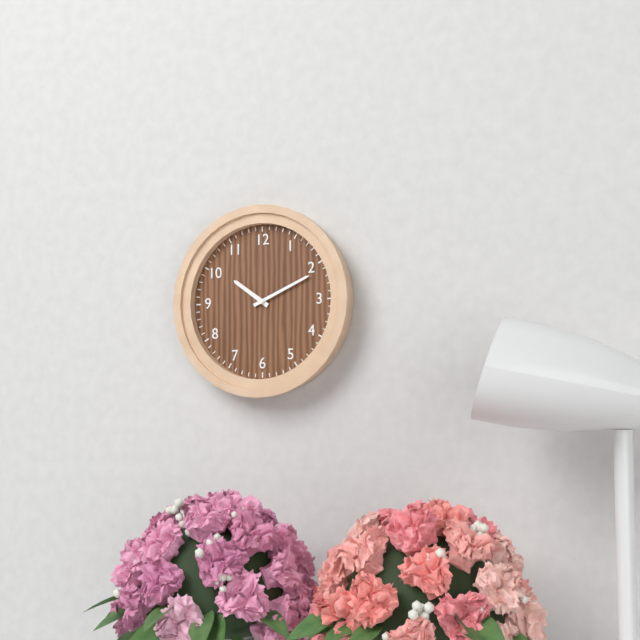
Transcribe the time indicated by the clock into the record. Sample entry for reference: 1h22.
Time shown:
10h11
